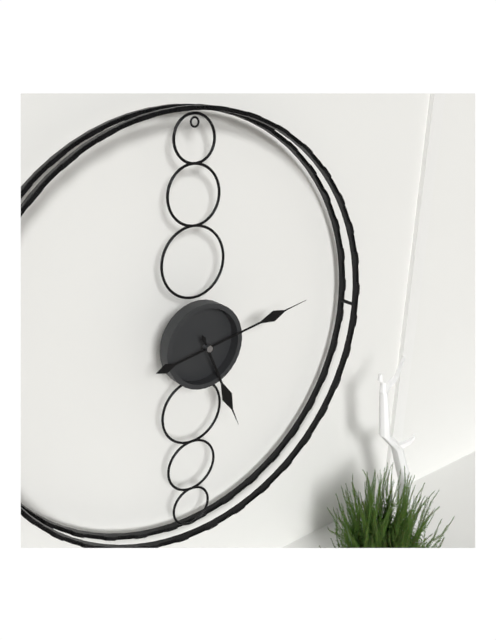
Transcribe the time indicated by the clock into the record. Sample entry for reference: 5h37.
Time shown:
5h13
